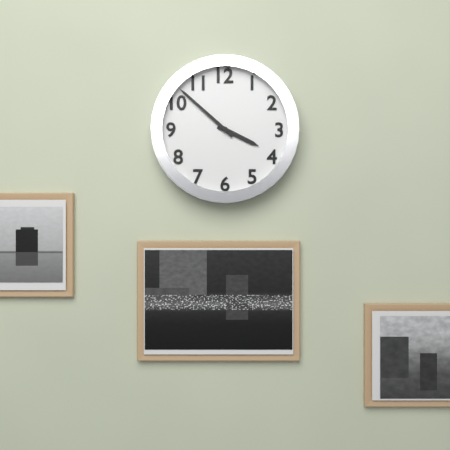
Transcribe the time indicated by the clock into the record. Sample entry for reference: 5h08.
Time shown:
3h52
